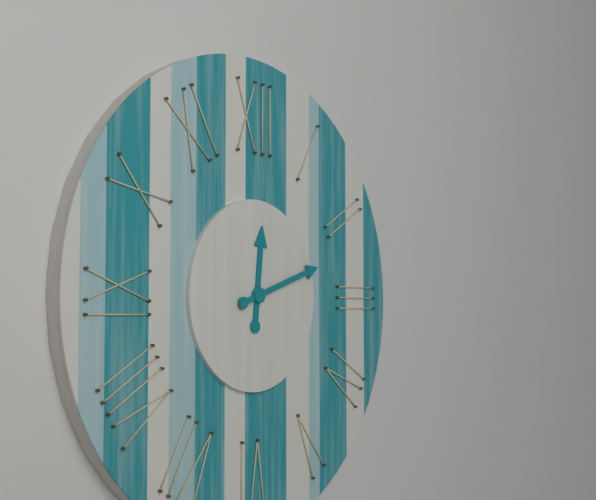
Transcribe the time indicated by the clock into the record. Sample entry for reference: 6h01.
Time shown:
12h12
